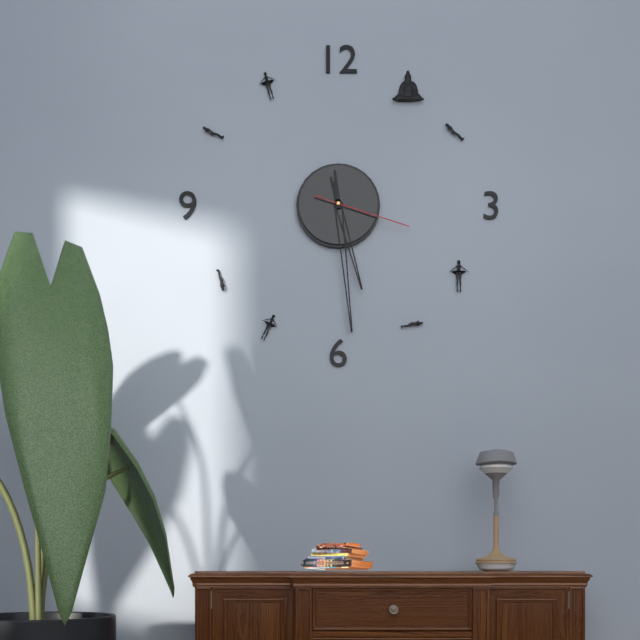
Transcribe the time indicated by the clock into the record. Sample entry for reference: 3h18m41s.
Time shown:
5h29m18s
